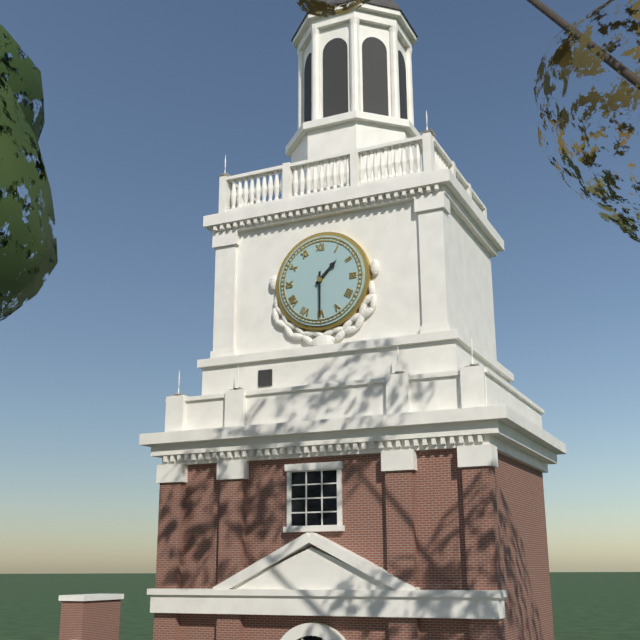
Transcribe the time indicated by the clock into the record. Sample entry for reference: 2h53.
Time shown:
1h30
